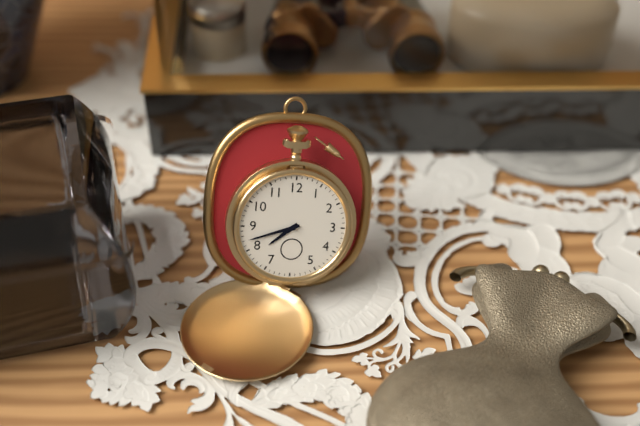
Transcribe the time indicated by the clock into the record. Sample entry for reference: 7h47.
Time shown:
7h42
